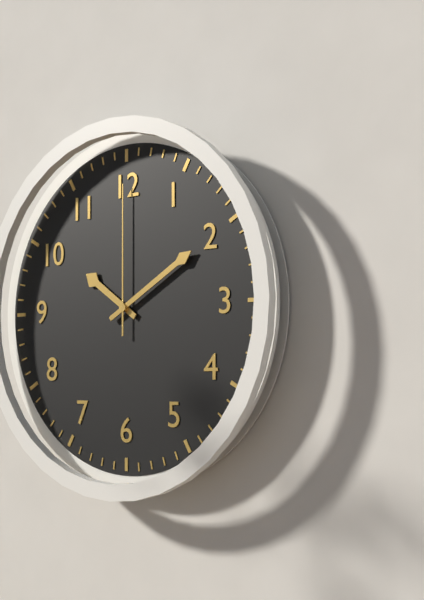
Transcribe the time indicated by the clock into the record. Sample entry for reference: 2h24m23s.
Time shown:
10h10m00s
